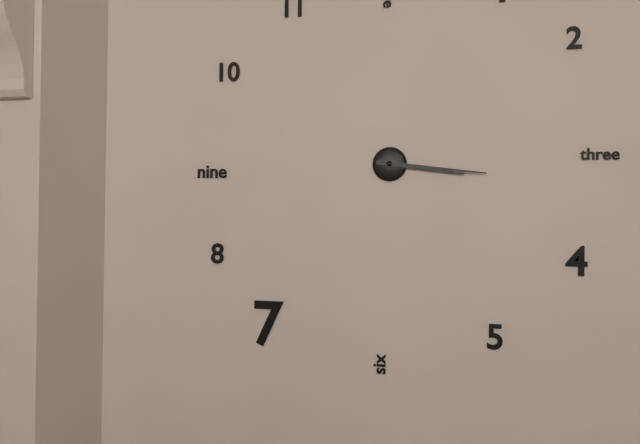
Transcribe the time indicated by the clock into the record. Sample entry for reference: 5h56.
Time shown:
3h16
